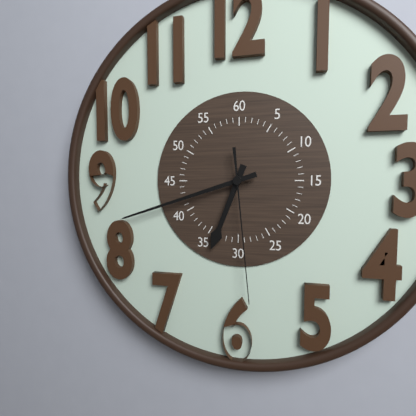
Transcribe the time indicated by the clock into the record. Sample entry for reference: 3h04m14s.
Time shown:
6h42m29s
